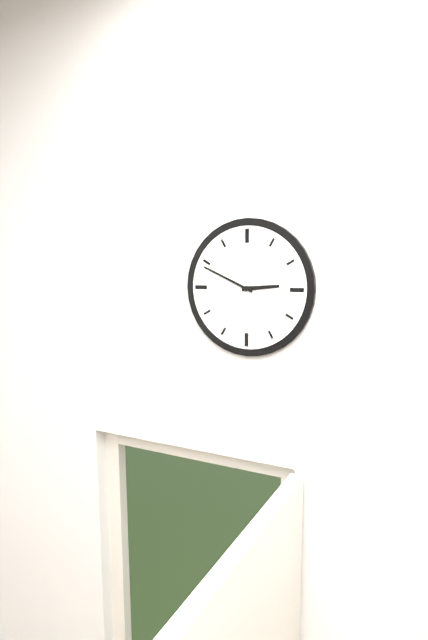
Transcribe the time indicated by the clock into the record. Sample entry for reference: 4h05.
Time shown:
2h49
